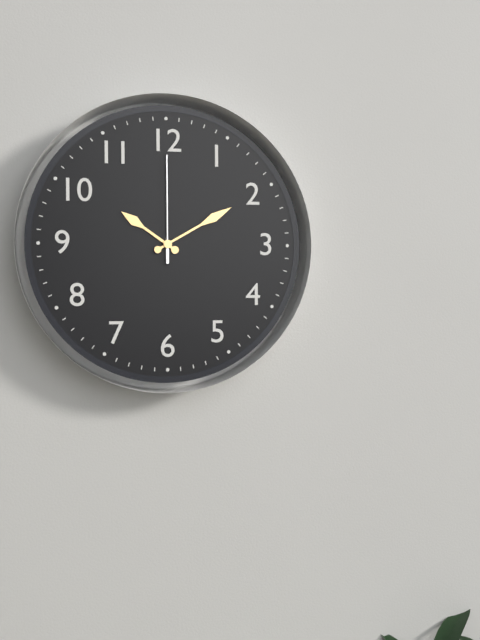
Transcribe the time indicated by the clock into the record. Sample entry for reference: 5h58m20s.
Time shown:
10h10m00s
